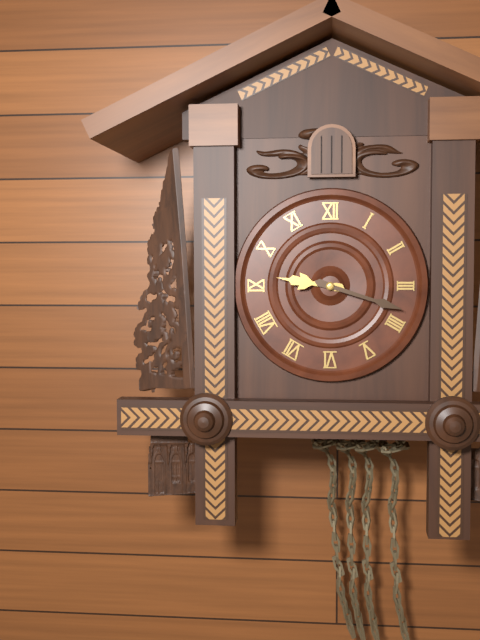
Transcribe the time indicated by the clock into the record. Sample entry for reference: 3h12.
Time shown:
9h18
